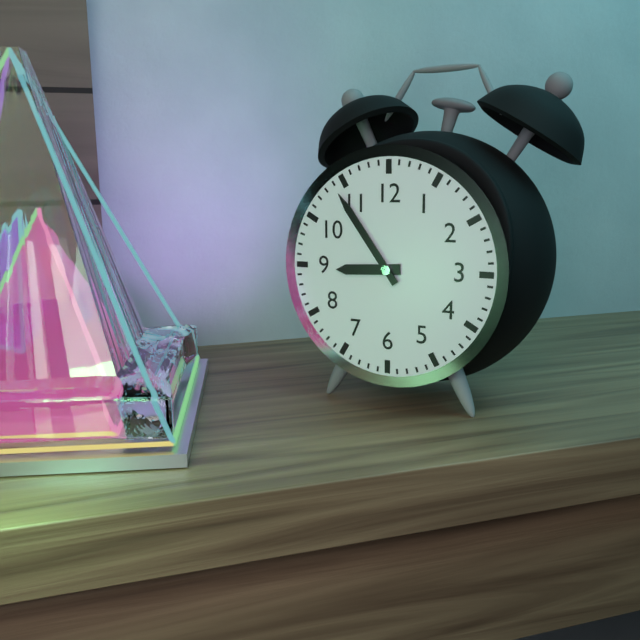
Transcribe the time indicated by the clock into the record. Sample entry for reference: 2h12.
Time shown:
8h54
